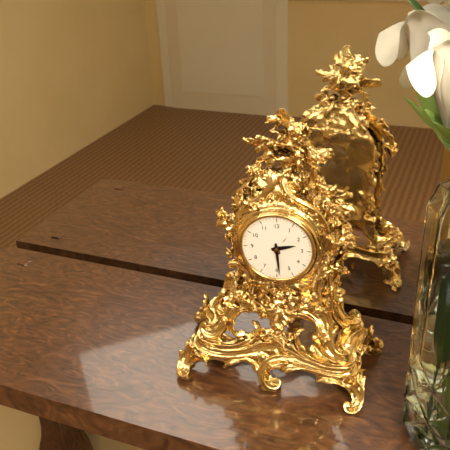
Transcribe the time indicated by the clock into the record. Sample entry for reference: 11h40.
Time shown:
2h29
